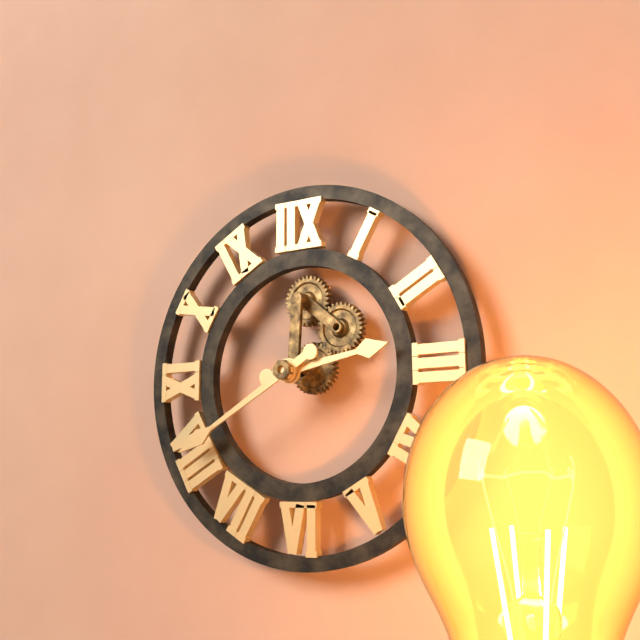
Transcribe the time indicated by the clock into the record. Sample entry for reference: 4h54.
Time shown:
2h40
